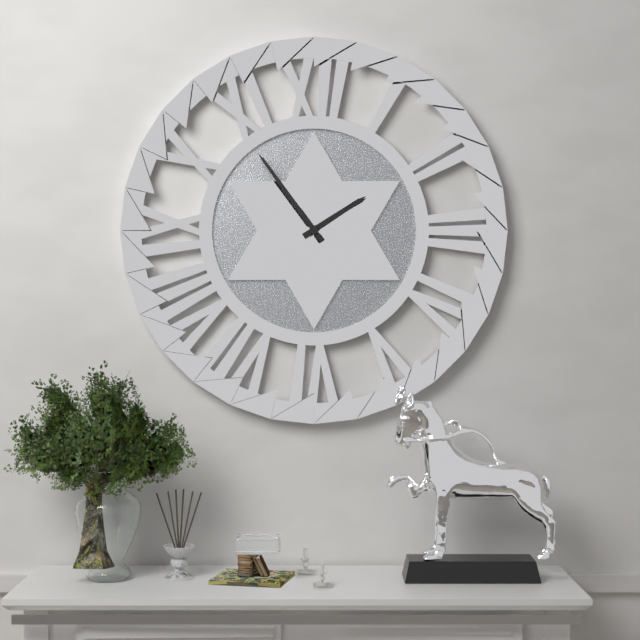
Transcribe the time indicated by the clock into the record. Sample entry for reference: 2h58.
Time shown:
1h54
